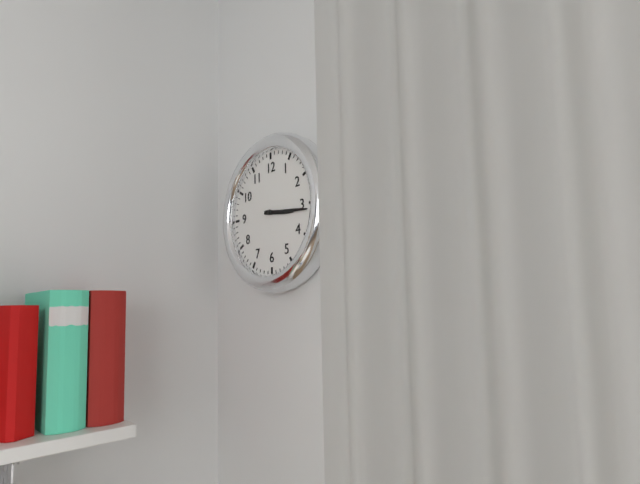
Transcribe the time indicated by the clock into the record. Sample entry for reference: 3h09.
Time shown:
3h16
